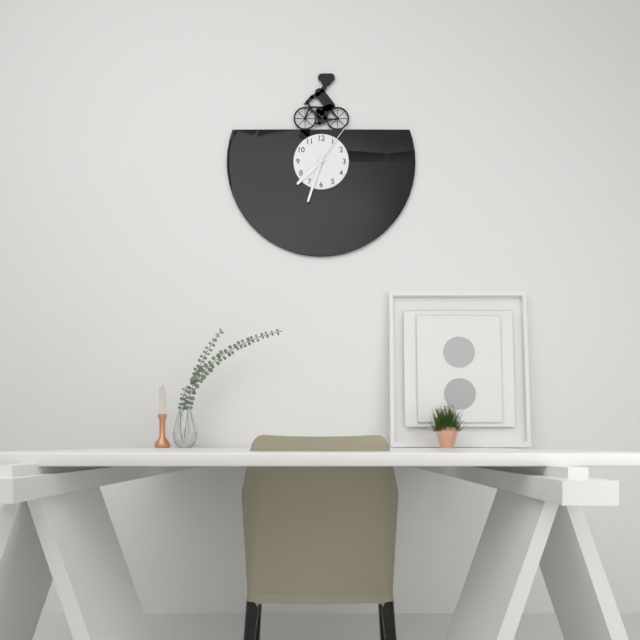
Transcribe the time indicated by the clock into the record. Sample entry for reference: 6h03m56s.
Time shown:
7h33m06s
